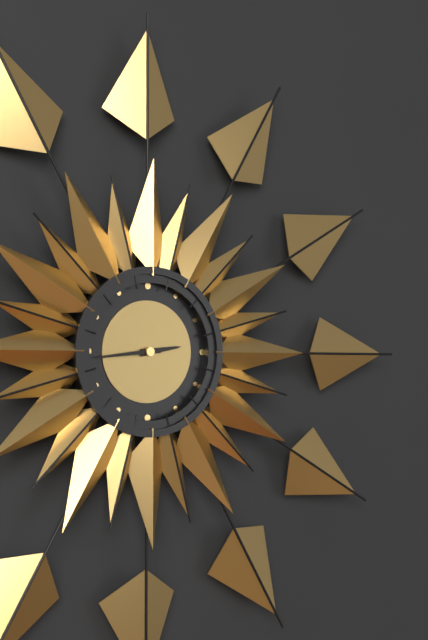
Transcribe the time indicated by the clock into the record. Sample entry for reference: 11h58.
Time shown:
2h44
